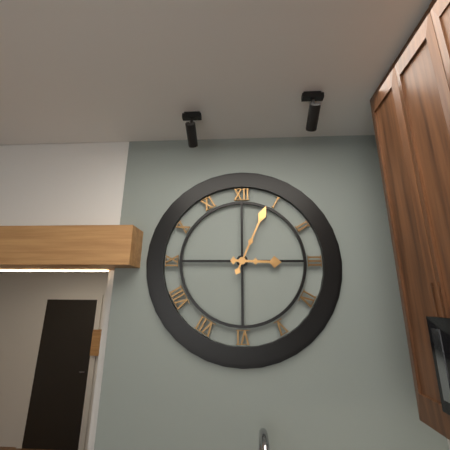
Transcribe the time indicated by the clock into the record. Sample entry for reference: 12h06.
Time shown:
3h04
